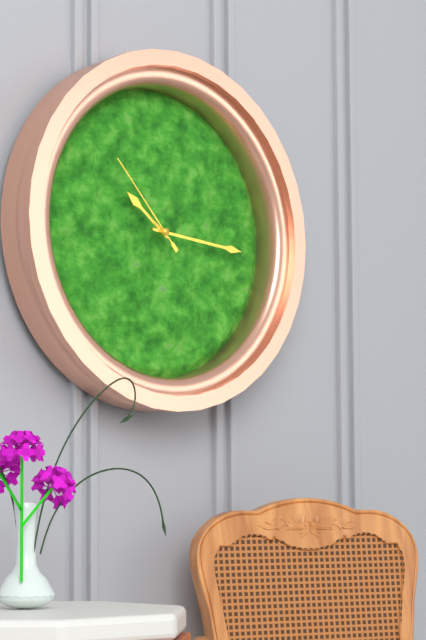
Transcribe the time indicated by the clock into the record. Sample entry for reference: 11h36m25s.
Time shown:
10h16m53s
